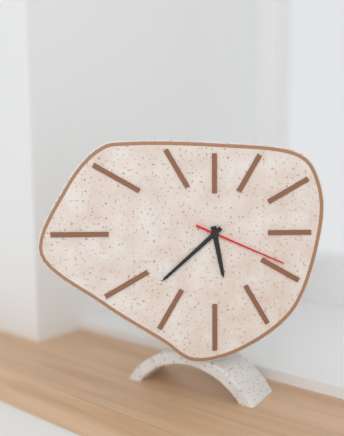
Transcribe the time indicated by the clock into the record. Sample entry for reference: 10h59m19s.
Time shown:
5h38m19s
